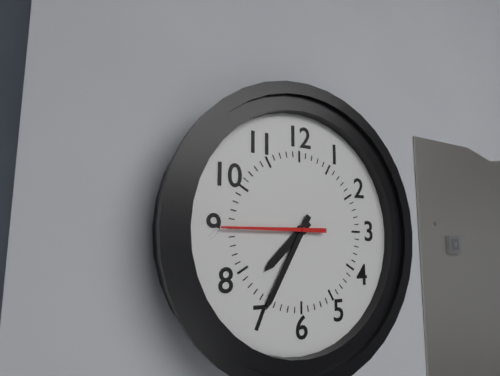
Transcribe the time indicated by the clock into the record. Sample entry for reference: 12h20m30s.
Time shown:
7h35m45s
